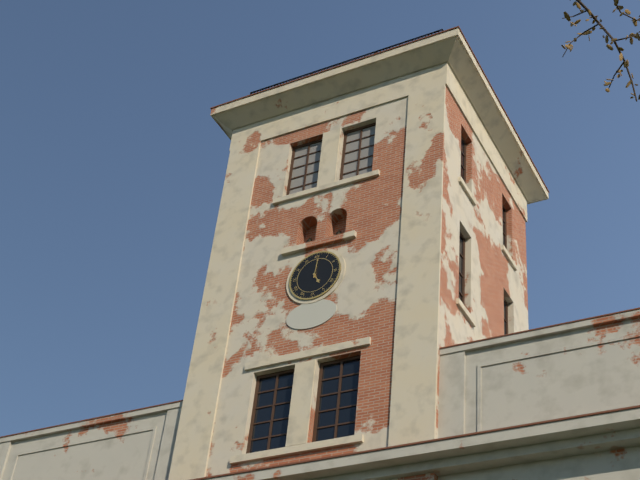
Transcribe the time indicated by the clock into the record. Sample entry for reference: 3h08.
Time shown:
5h01
